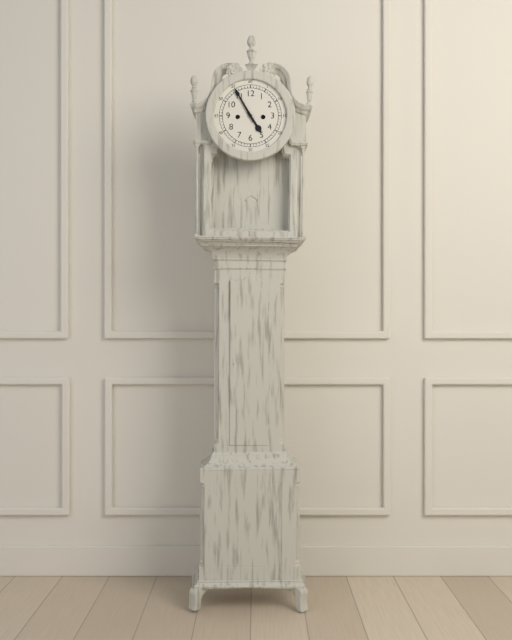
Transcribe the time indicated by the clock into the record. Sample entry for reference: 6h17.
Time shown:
4h55
